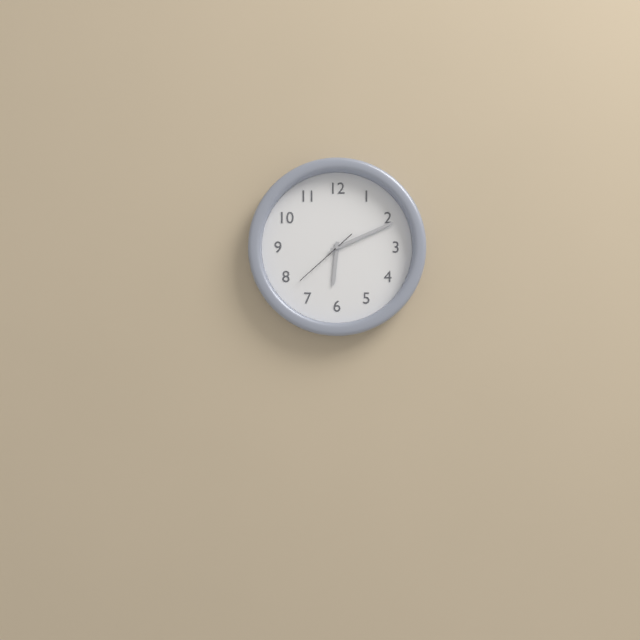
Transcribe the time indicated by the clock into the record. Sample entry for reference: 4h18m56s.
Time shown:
6h11m38s
